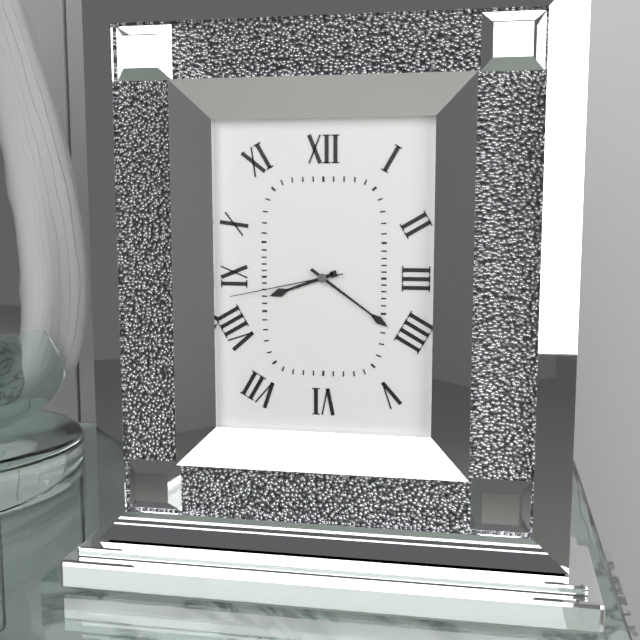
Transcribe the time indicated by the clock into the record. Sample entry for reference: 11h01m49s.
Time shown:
8h21m43s
